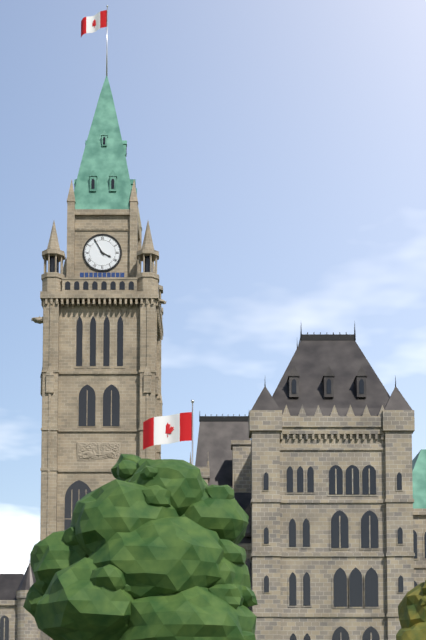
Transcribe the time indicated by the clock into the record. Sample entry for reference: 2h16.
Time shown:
3h55
